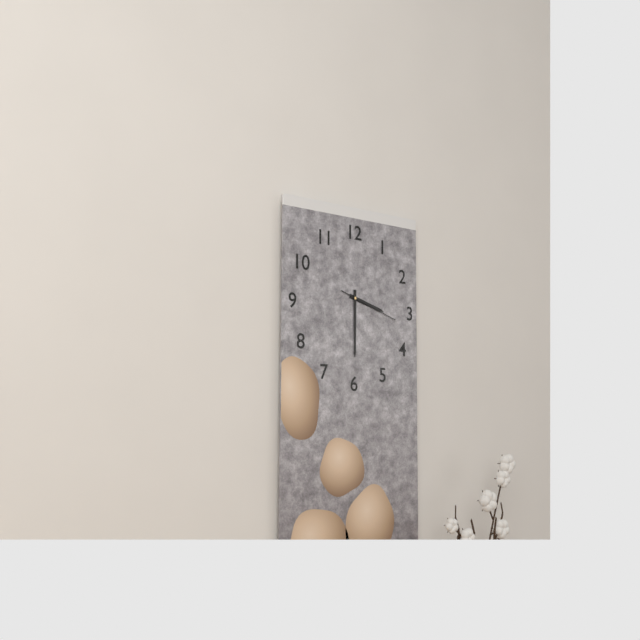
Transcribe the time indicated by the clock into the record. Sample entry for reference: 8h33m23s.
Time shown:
3h30m18s
